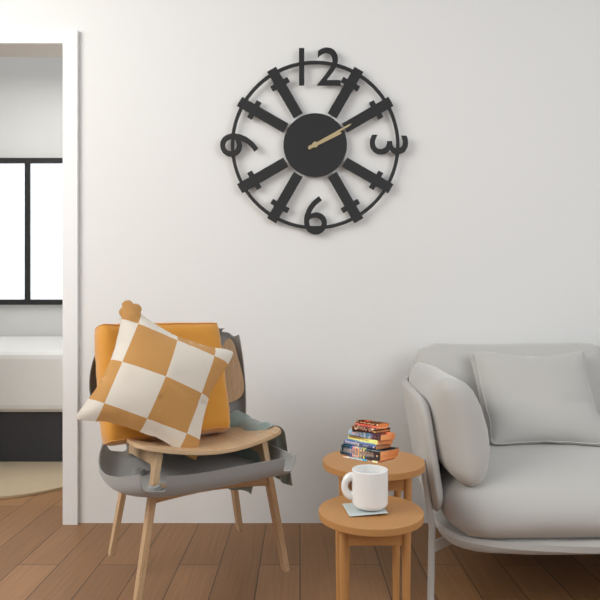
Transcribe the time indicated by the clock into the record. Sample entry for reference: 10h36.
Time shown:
2h10
